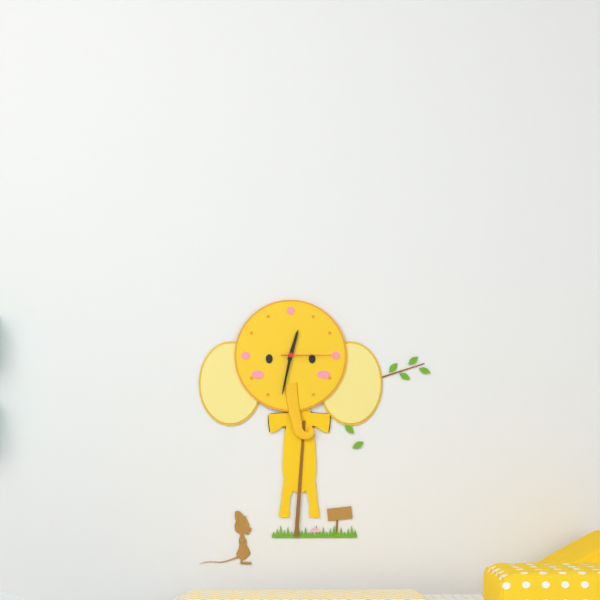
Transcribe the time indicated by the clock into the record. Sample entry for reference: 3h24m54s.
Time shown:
12h32m15s
